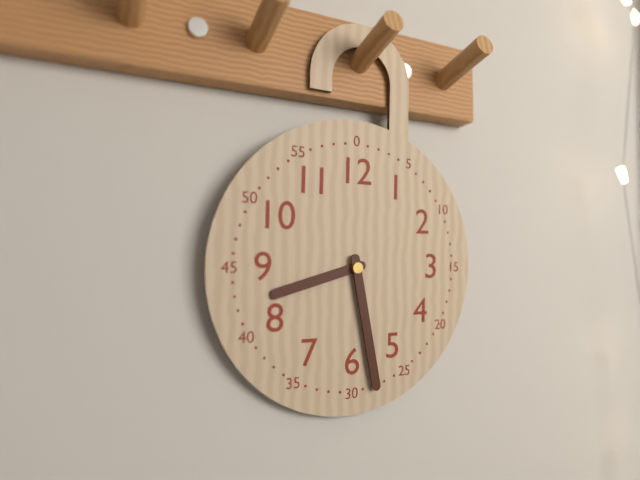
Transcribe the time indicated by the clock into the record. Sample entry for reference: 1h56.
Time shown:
8h28
